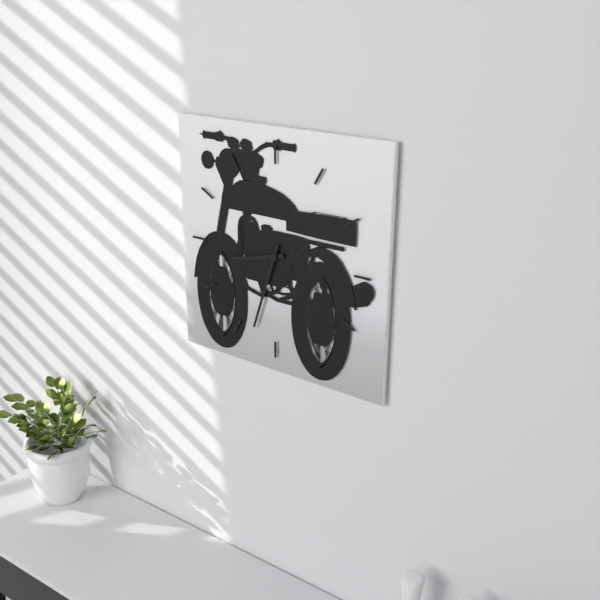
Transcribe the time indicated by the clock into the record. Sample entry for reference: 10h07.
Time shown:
8h33
